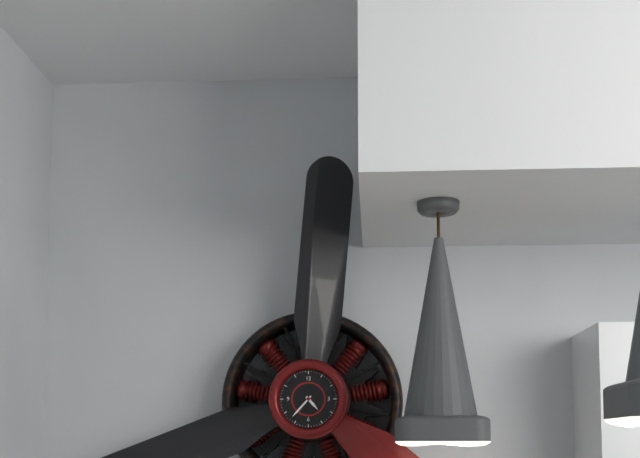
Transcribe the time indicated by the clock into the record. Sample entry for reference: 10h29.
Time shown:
4h37
